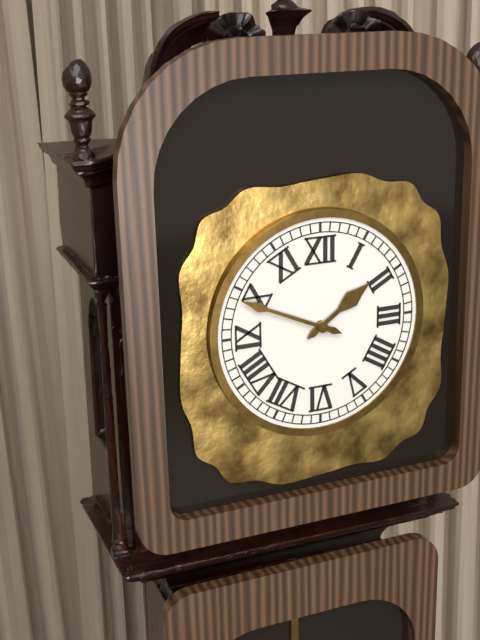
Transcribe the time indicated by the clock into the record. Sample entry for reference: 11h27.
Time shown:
1h49
